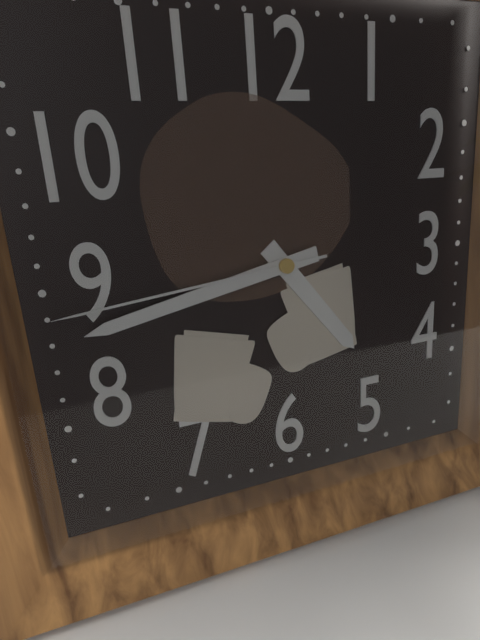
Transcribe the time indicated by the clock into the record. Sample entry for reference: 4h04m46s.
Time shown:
4h43m44s
